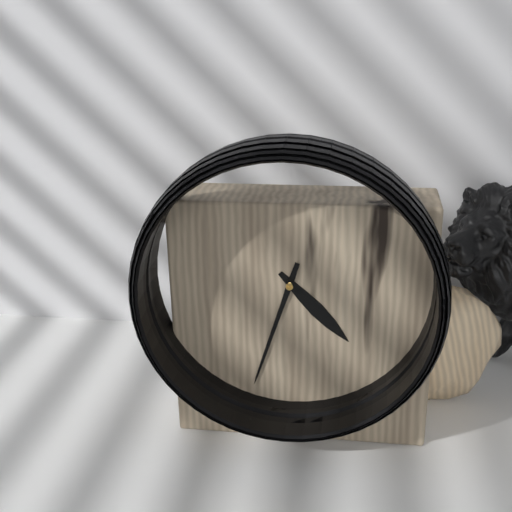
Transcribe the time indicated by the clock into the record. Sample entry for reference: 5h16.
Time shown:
4h33
